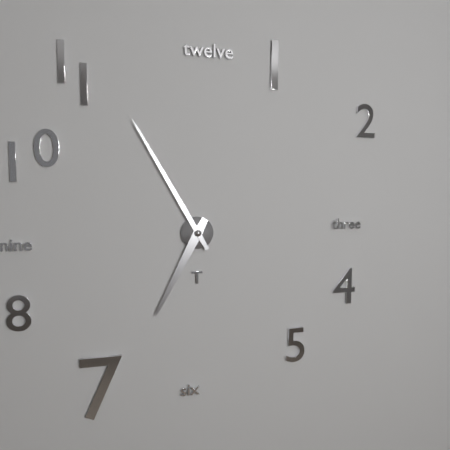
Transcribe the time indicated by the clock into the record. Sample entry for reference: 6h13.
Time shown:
6h55
